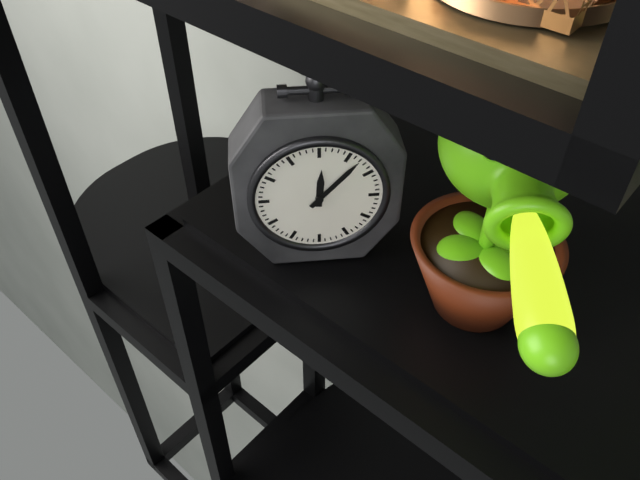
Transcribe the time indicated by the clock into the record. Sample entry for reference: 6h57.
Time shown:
12h07
